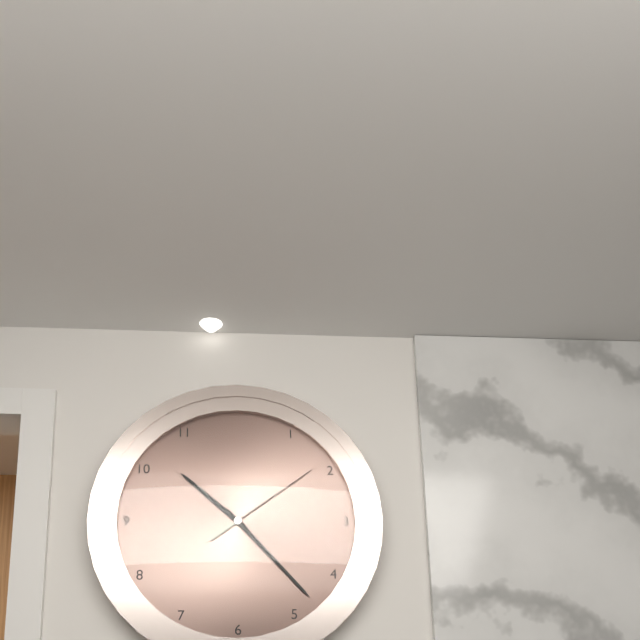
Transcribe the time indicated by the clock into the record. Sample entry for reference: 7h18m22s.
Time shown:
10h23m09s
